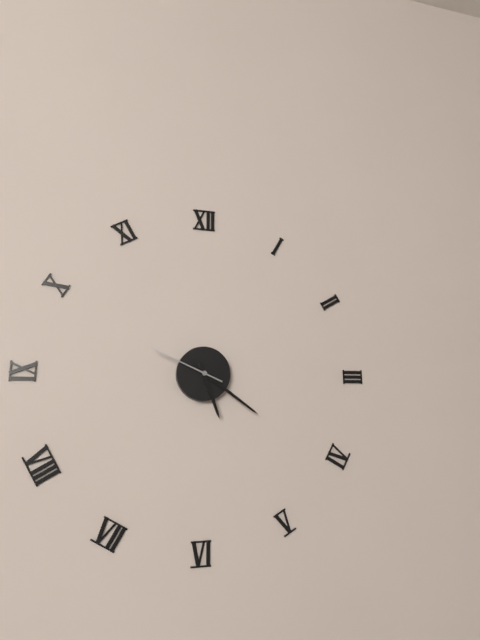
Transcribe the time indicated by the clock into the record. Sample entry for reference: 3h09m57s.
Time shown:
5h21m49s
